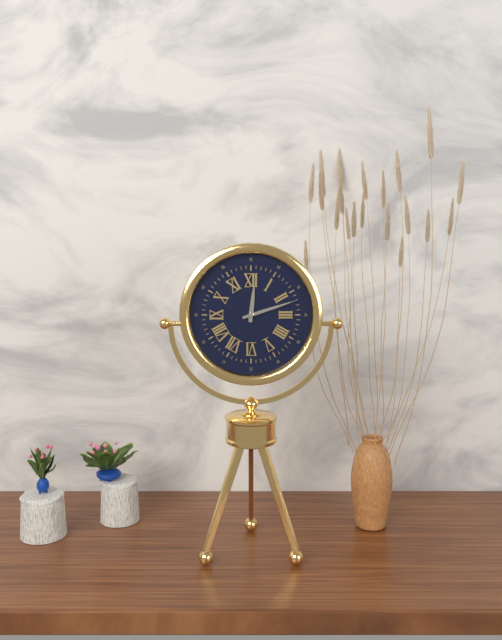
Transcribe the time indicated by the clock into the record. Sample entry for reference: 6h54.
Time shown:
12h12
